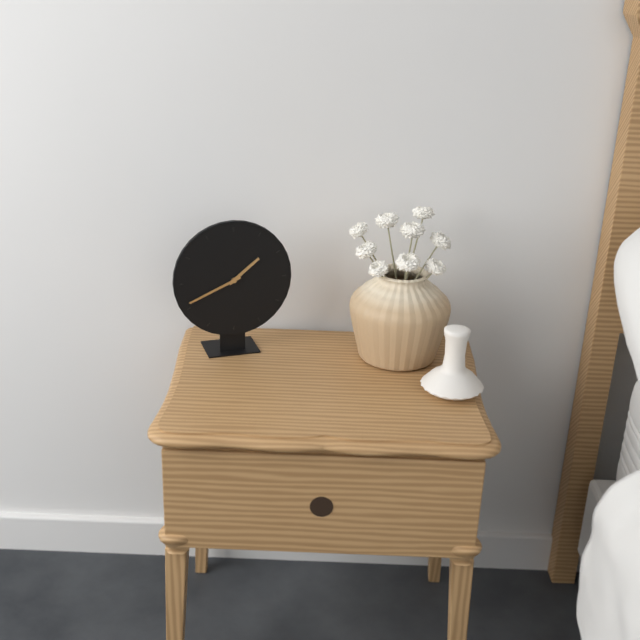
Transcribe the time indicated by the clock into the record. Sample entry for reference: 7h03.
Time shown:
1h41
